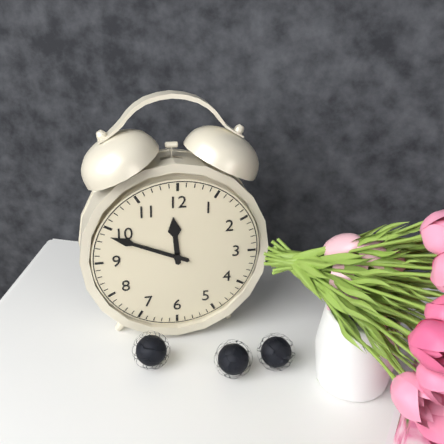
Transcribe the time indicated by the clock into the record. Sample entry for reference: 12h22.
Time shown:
11h49
